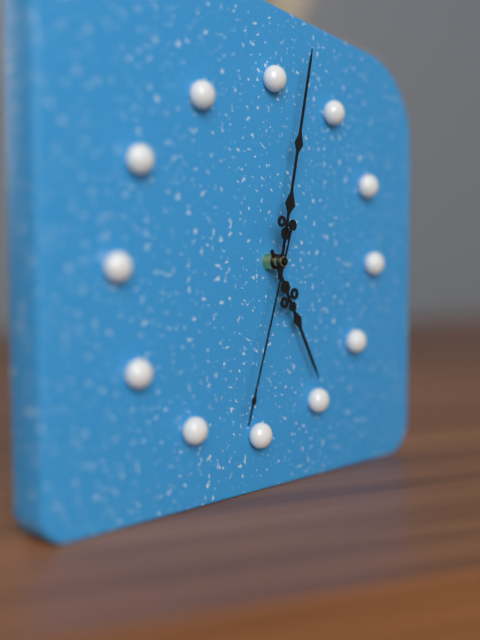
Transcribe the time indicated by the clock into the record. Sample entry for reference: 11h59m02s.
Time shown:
5h02m33s
